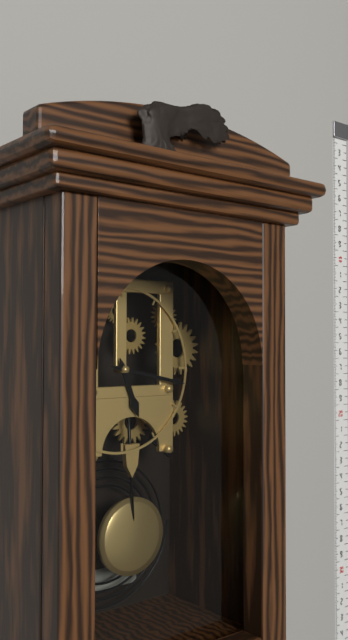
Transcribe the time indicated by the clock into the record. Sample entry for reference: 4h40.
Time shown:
5h17
